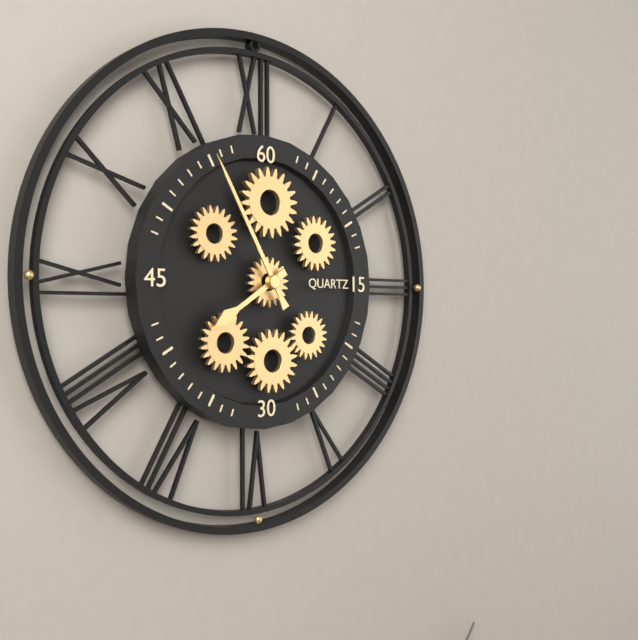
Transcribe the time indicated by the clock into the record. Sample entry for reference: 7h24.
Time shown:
7h55
